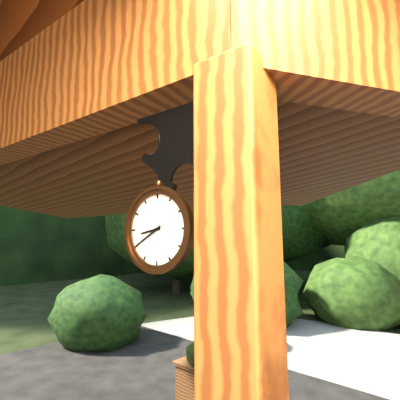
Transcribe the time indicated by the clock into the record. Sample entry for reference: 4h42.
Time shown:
8h40
